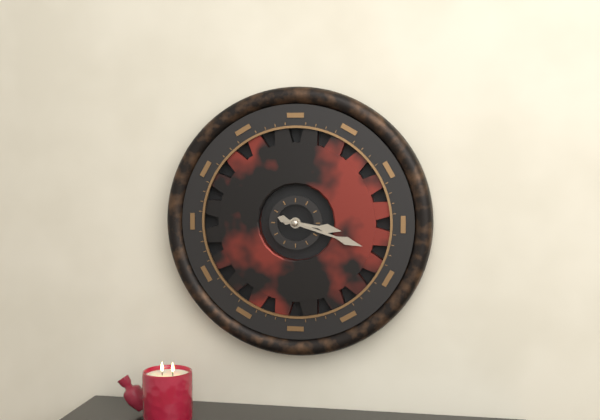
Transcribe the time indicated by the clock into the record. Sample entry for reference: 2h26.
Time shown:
3h18
